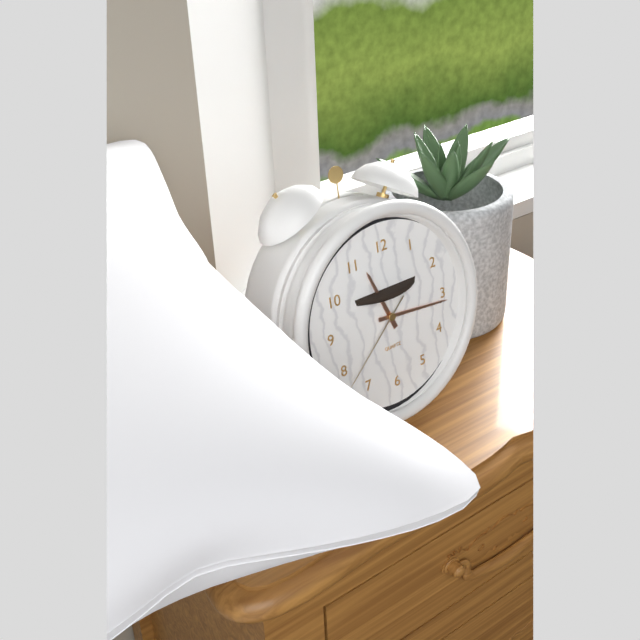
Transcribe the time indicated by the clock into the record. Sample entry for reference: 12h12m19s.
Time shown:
11h16m38s
